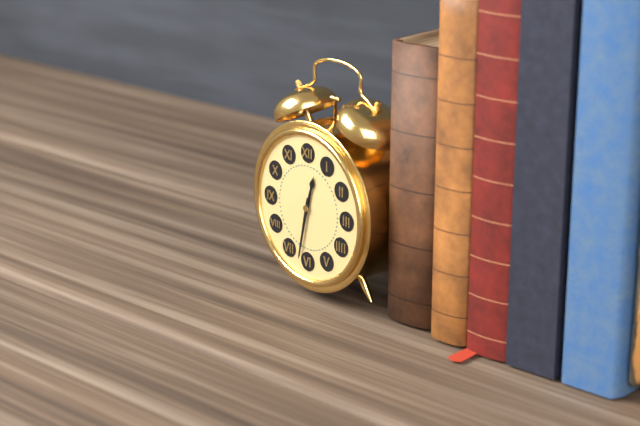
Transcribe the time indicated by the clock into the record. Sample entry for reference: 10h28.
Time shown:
12h32
